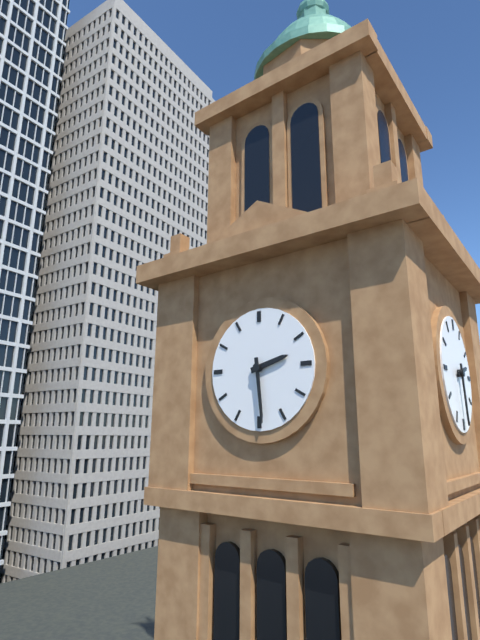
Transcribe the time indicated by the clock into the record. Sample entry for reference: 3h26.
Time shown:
2h29
